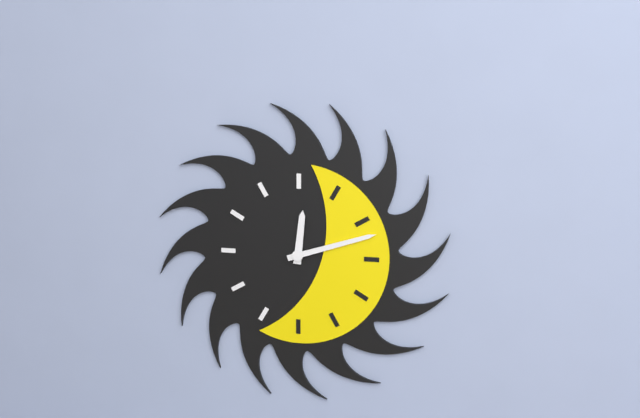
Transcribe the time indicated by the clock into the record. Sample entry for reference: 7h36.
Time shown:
12h12
